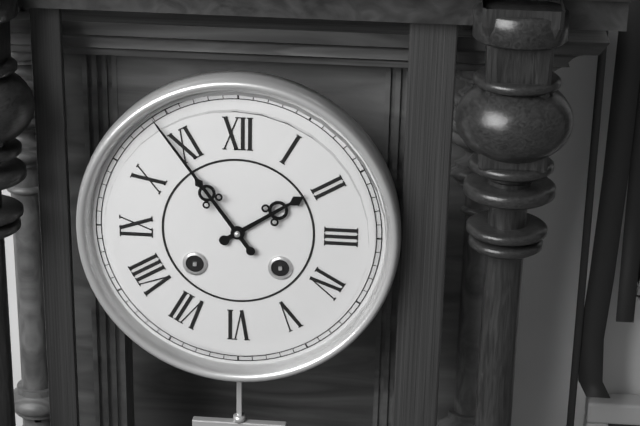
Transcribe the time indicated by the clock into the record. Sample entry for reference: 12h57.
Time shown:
1h54
